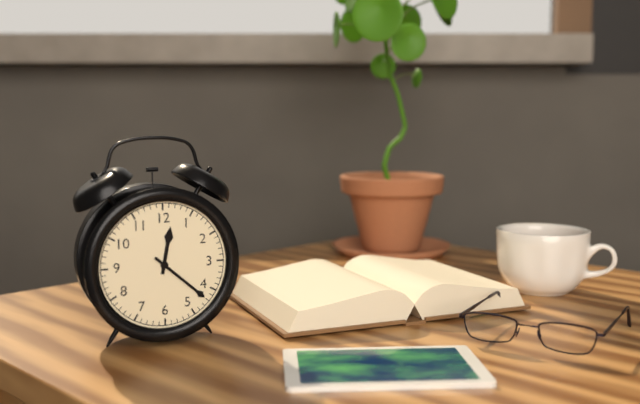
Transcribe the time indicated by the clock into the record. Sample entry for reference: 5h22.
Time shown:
12h22
